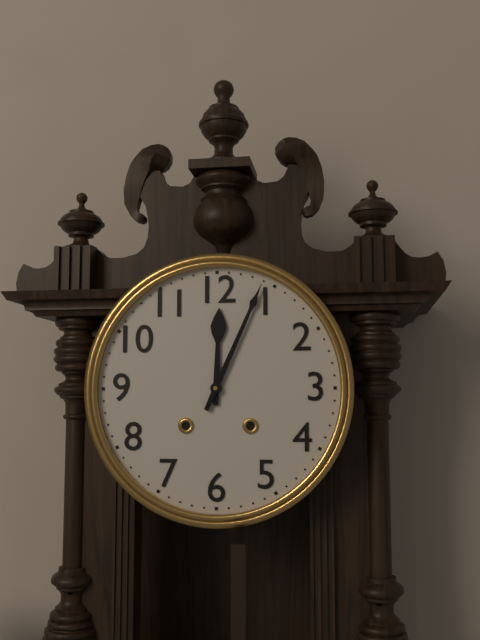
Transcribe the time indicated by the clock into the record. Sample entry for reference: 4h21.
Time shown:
12h04
